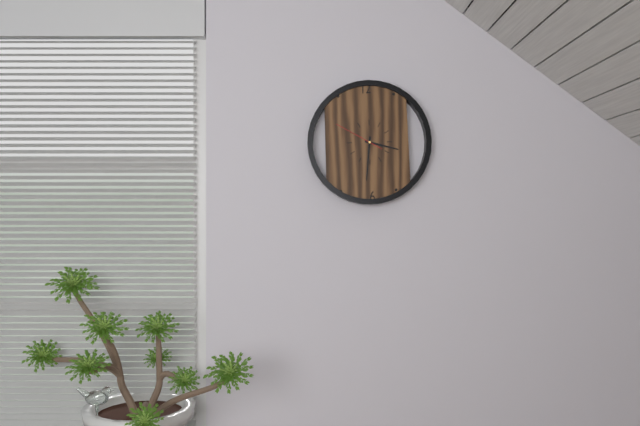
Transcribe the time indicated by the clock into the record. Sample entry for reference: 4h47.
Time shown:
3h31
